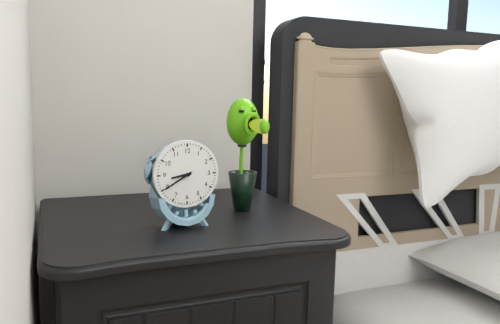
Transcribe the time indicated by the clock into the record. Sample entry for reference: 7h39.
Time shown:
8h40
